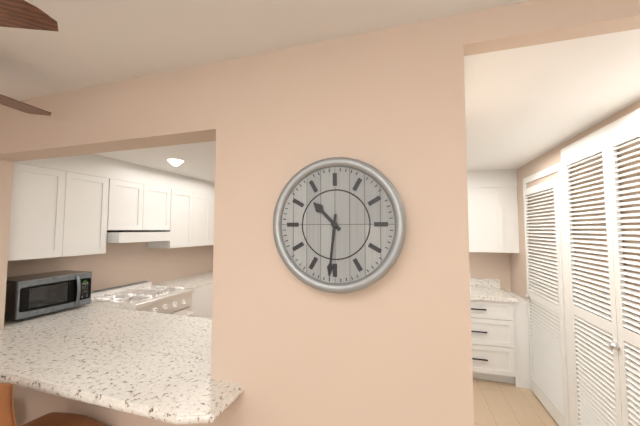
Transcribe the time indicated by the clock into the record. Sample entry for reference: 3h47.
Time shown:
10h31
